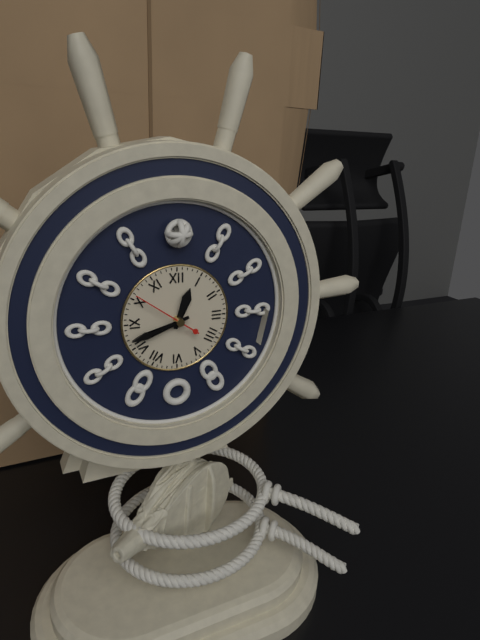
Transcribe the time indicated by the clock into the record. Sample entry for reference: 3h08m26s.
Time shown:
12h42m51s
